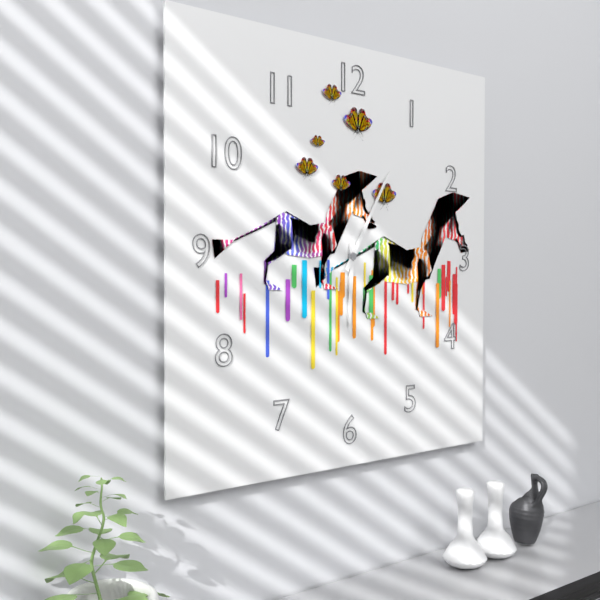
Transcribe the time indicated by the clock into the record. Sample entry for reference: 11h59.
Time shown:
6h05
